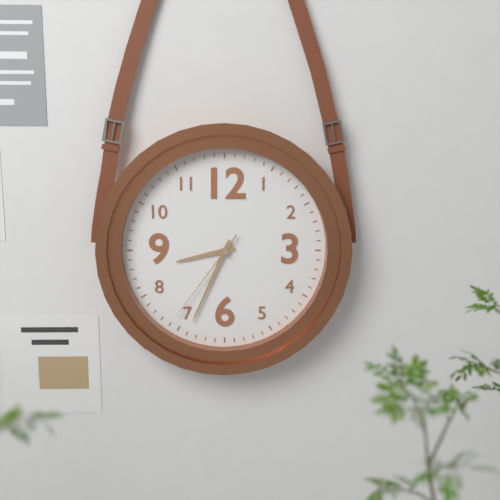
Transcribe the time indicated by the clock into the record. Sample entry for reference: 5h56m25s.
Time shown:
8h34m36s
